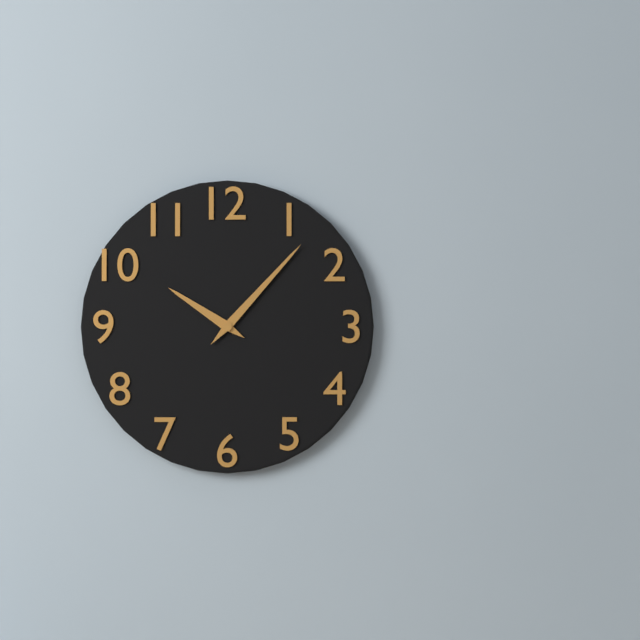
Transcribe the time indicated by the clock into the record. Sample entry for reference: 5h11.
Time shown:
10h07
